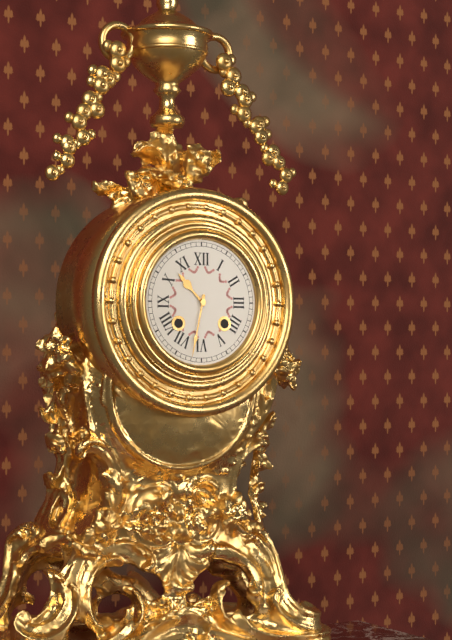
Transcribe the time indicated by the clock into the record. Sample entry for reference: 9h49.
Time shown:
10h32
